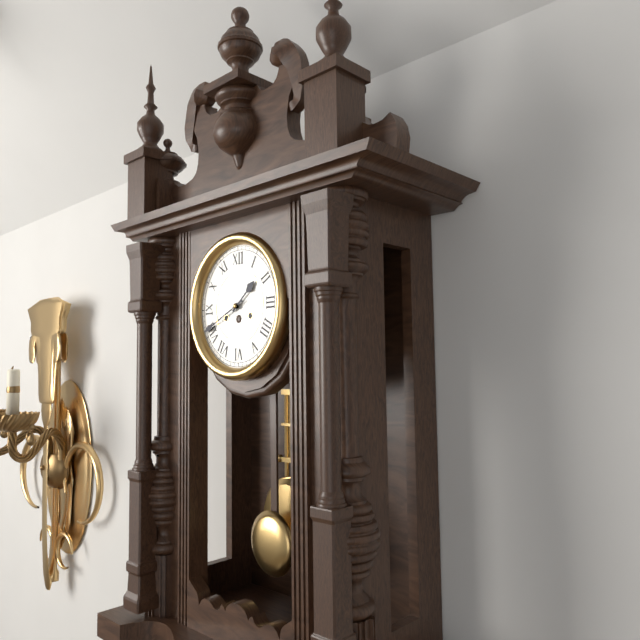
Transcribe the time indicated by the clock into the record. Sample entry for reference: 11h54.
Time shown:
1h41
